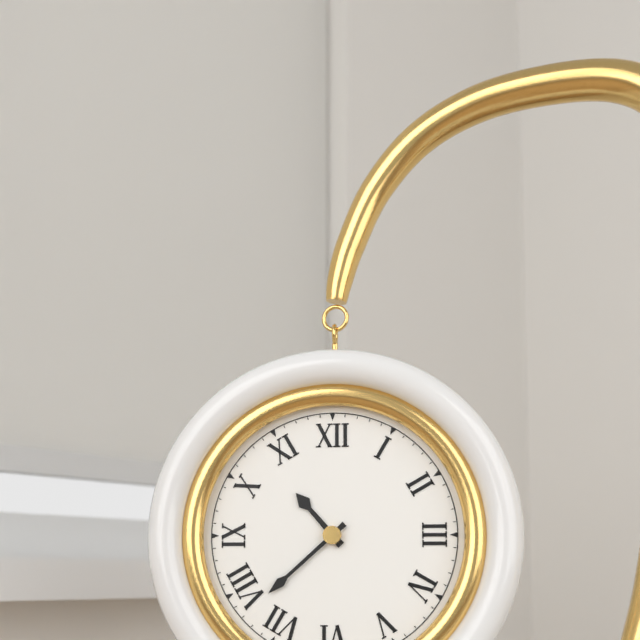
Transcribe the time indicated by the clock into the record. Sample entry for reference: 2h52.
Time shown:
10h38
